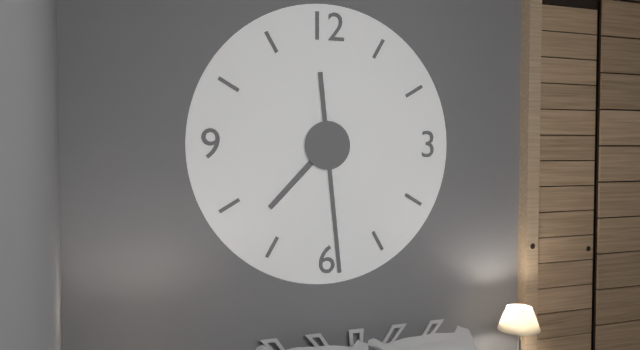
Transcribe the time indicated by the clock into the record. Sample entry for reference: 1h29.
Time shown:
7h29
